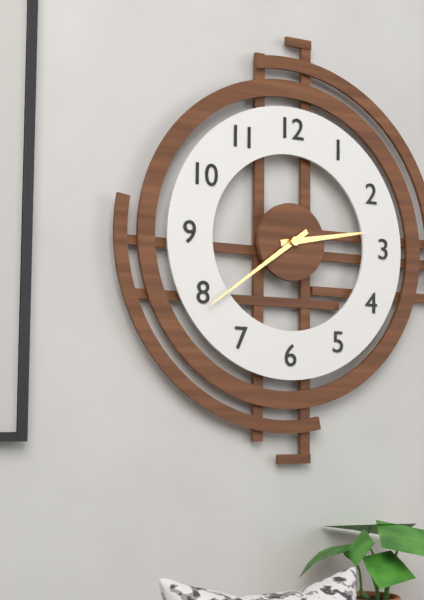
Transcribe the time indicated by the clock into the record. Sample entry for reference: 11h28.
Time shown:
2h39
